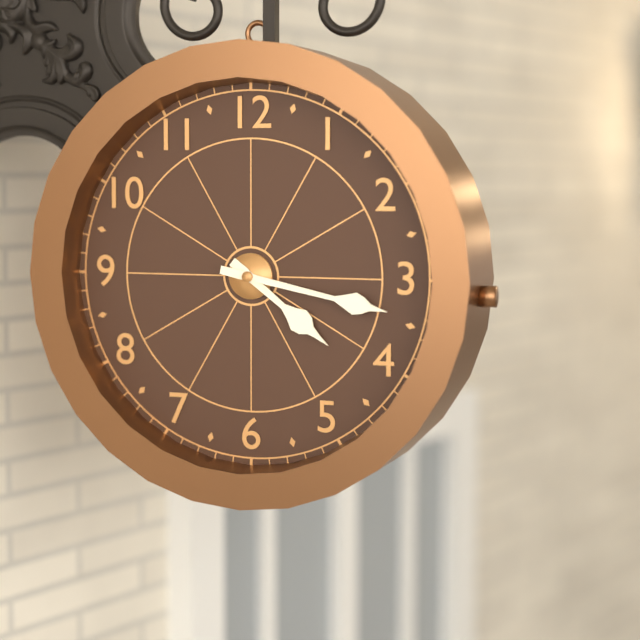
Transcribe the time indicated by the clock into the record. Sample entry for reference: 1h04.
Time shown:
4h17
